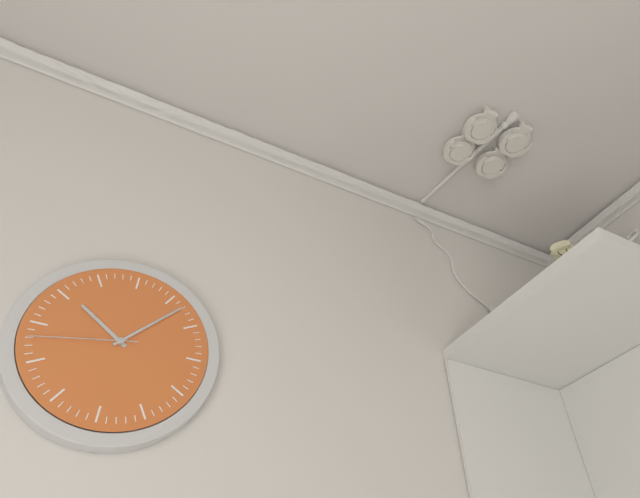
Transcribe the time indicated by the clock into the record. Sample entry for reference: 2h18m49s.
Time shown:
10h07m43s
